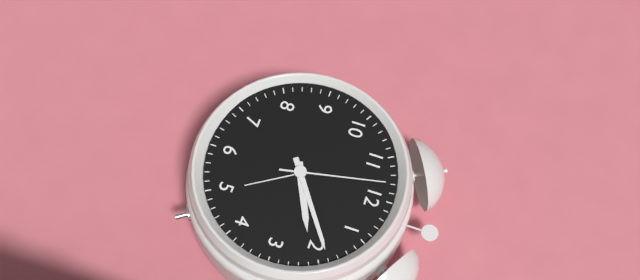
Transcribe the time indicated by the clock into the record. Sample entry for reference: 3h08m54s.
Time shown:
2h09m58s
